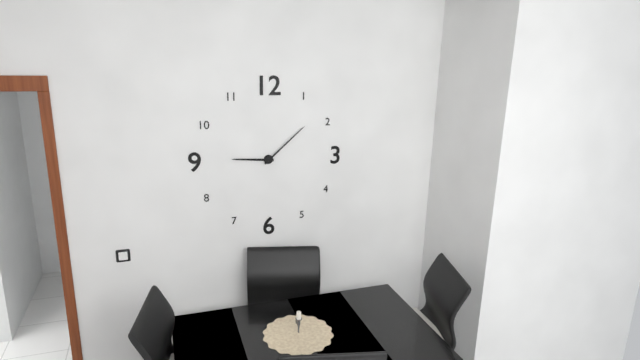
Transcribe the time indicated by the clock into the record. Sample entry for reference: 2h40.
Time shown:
9h08
